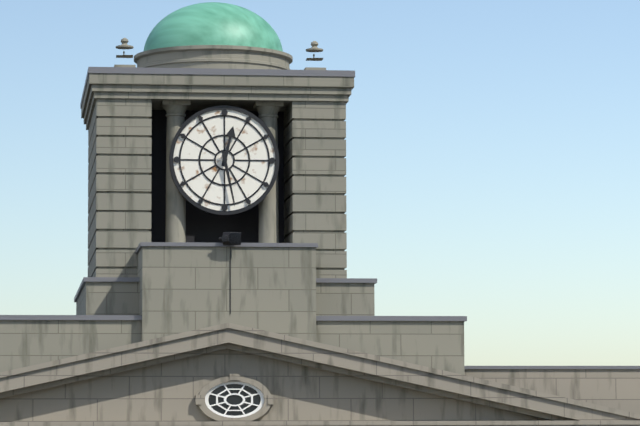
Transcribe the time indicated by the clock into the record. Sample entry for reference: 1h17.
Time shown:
12h28
